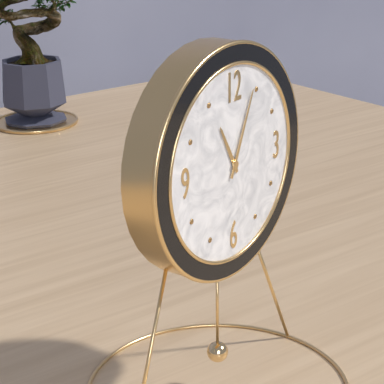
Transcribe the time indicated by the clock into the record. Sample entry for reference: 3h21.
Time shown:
11h04
